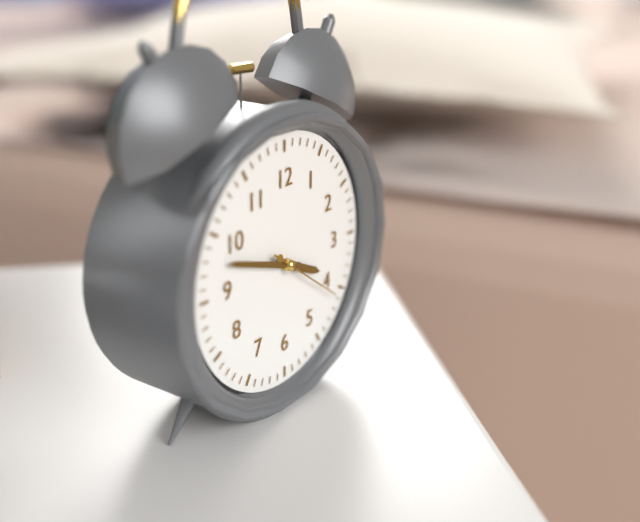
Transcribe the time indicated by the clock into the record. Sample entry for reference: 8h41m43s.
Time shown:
3h48m21s
